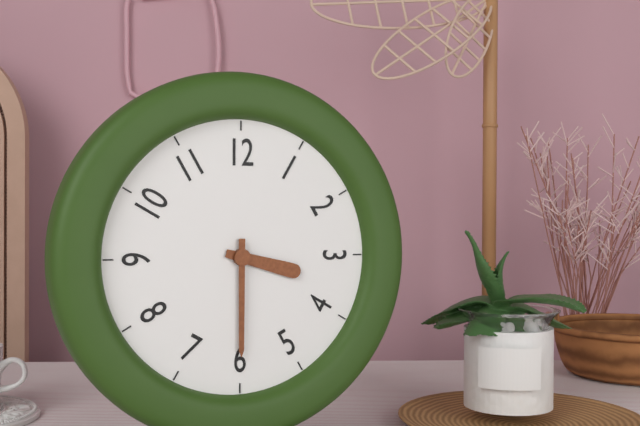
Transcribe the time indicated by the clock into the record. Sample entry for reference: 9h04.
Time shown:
3h30
